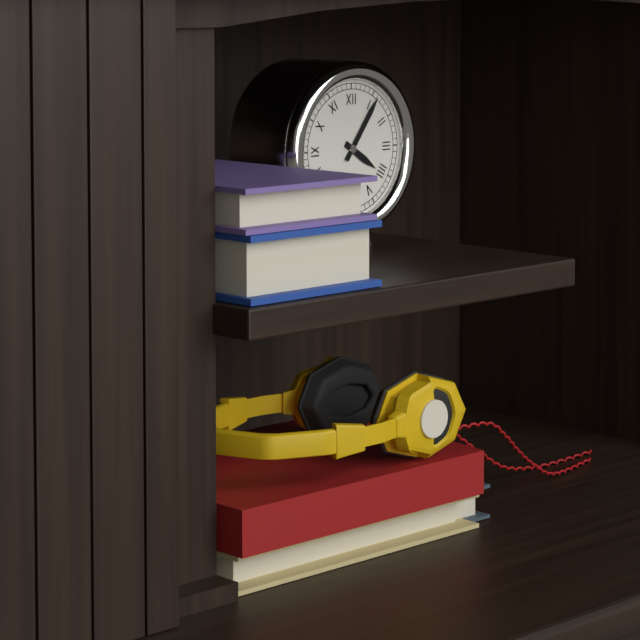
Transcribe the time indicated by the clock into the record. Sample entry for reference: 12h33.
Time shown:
4h06
